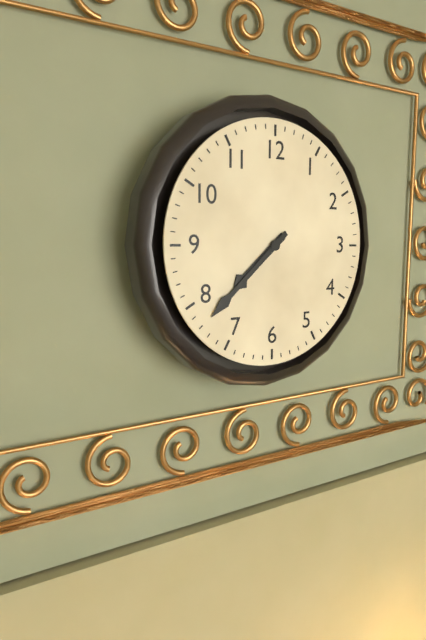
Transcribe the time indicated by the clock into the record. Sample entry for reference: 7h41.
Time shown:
7h38
